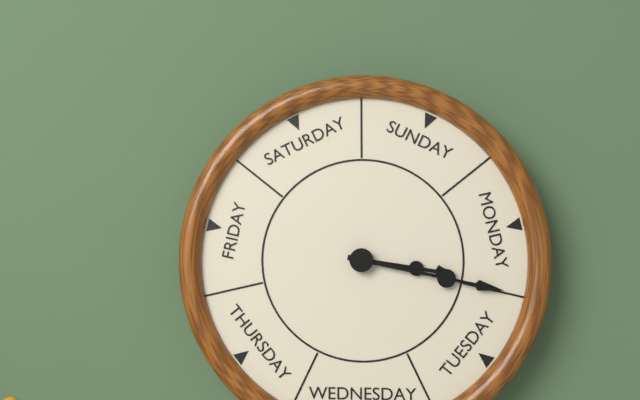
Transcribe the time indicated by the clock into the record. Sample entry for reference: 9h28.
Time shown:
3h17
